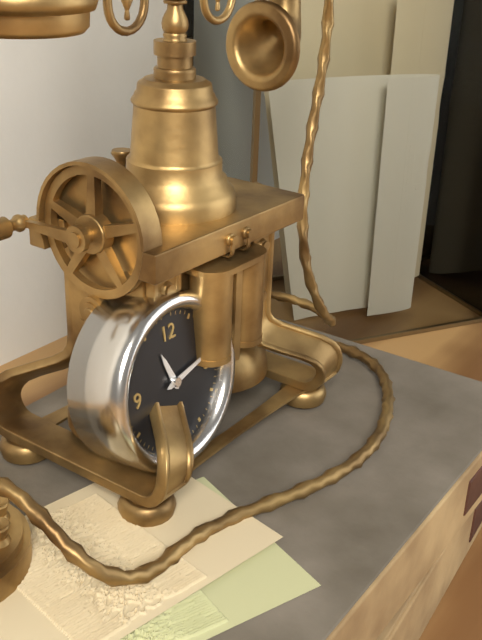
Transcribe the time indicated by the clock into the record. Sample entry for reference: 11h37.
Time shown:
11h13
